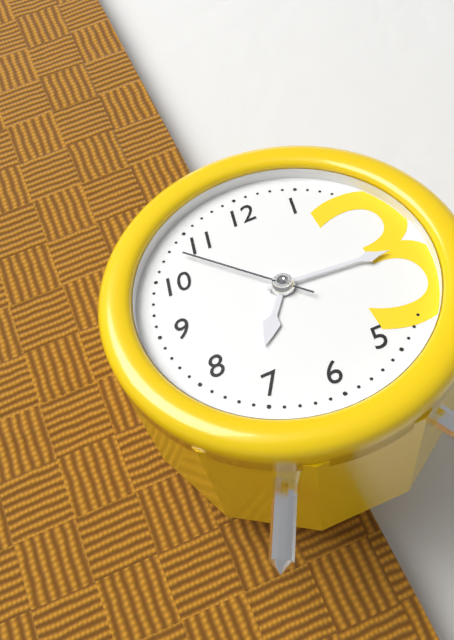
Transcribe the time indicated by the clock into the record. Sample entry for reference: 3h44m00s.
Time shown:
7h16m53s
